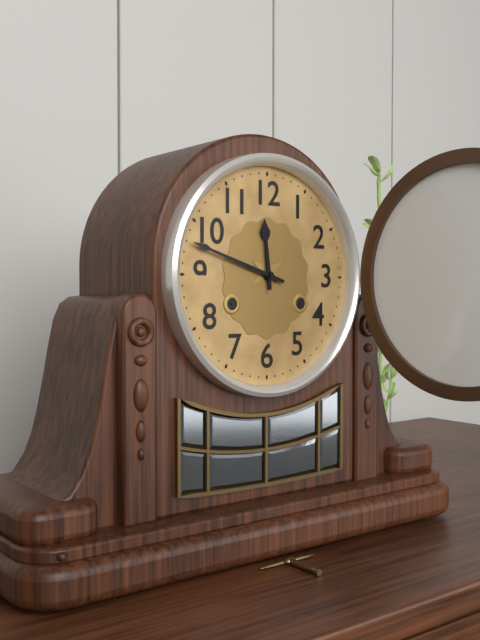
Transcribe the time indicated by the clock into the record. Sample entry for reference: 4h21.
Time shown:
11h48
